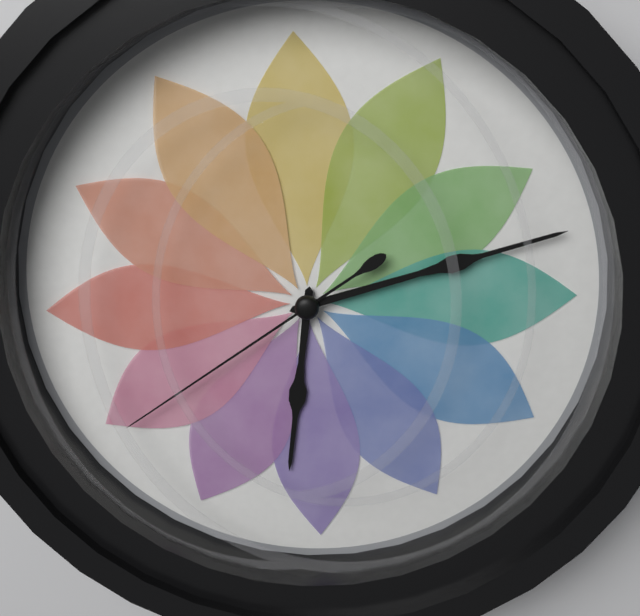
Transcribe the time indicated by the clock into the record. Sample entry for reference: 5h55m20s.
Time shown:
6h12m39s
